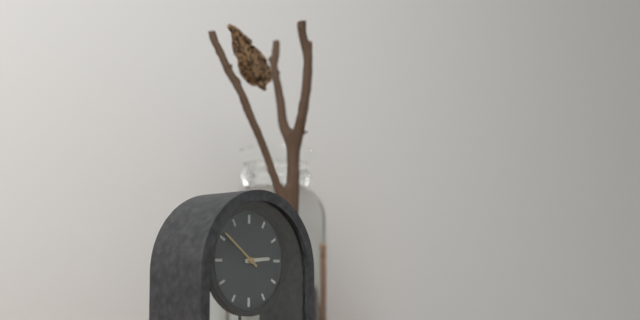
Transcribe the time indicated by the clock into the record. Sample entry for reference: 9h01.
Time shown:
2h51
